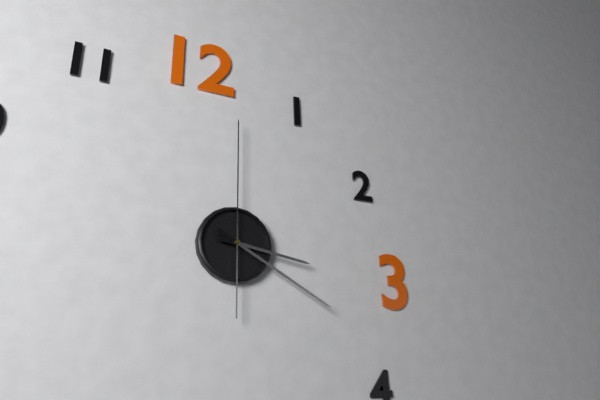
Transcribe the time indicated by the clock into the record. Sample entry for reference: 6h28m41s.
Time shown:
3h20m00s
